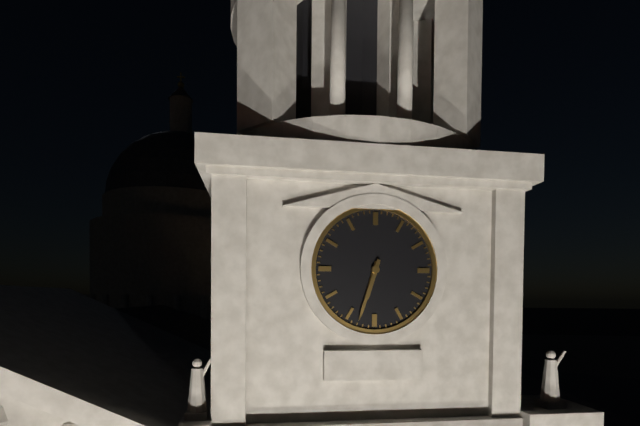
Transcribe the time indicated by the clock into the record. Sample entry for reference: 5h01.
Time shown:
6h33
